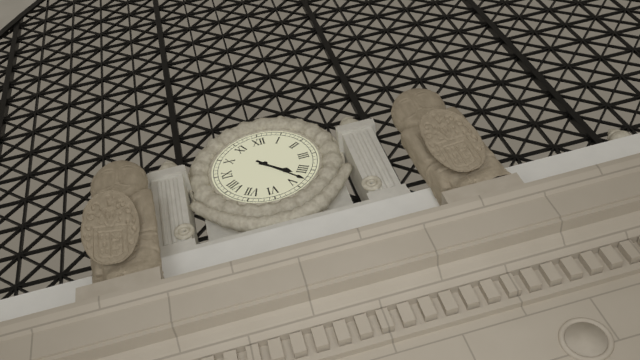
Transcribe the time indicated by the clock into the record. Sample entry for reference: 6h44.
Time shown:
4h23
